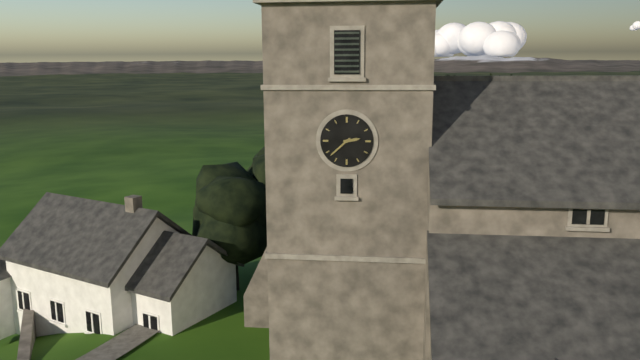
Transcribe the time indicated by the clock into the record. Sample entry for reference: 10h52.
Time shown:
2h38
